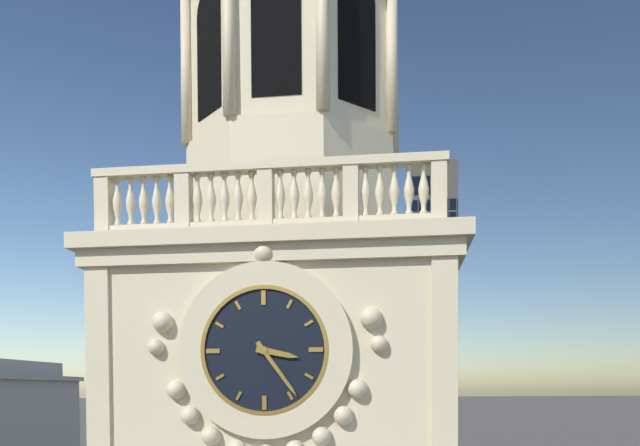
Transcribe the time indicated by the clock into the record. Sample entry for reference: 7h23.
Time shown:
3h24
